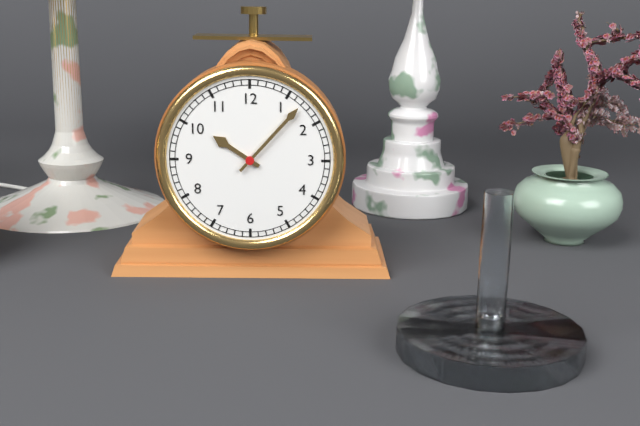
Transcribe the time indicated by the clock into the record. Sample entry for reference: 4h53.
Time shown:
10h07
